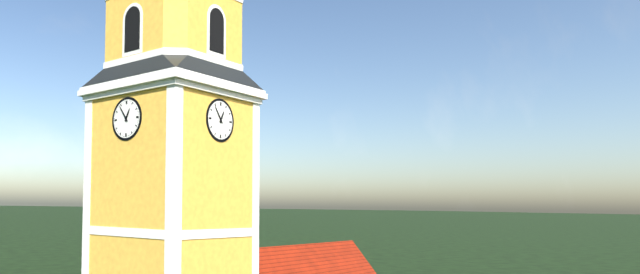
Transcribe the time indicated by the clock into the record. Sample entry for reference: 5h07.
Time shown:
12h54
